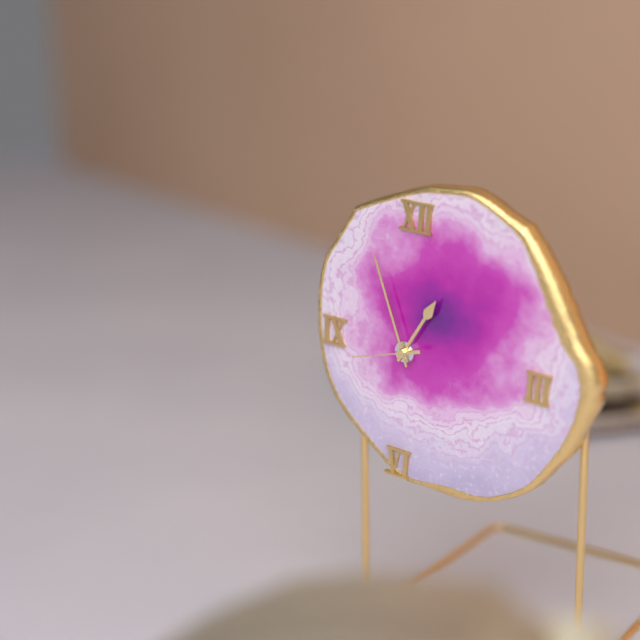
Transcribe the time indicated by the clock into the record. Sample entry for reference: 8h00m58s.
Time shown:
12h56m42s
